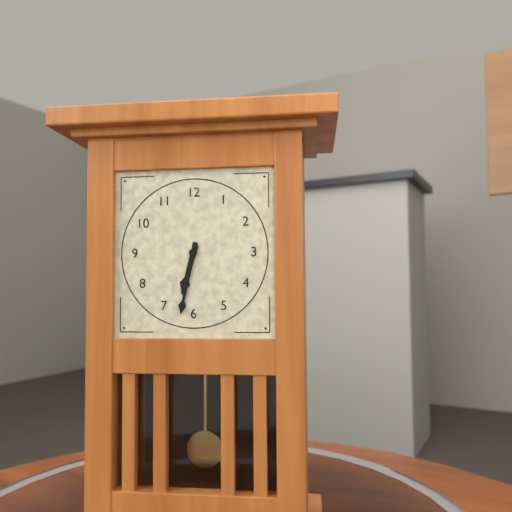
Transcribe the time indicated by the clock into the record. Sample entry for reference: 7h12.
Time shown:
6h32
